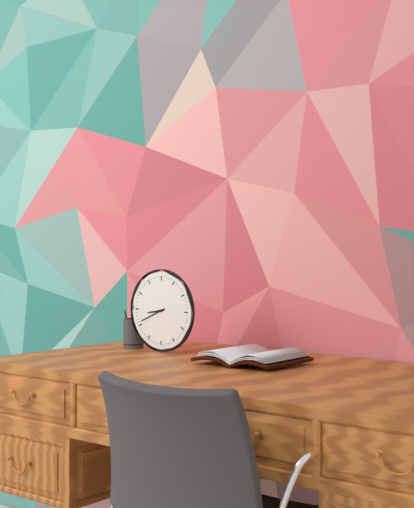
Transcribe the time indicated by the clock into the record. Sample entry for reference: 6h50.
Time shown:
8h41
